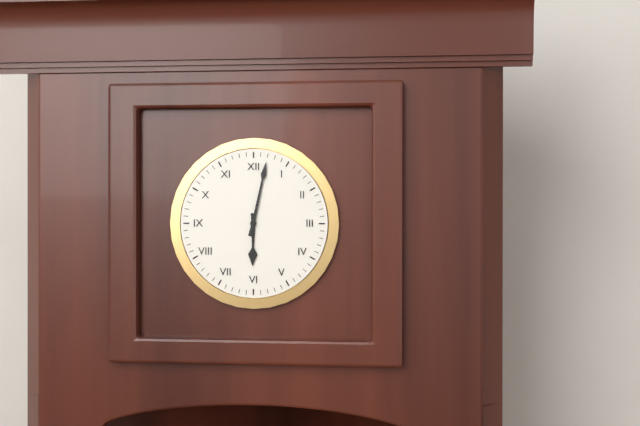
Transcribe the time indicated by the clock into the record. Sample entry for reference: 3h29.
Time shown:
6h02
